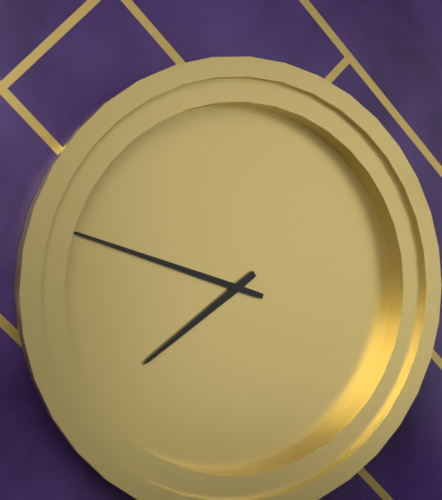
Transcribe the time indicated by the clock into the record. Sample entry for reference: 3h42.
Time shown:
7h48
